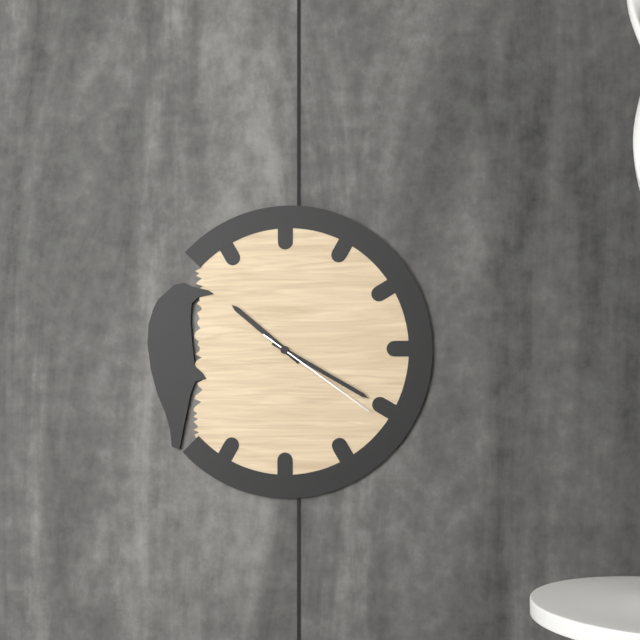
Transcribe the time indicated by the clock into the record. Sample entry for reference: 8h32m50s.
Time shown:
10h20m21s
